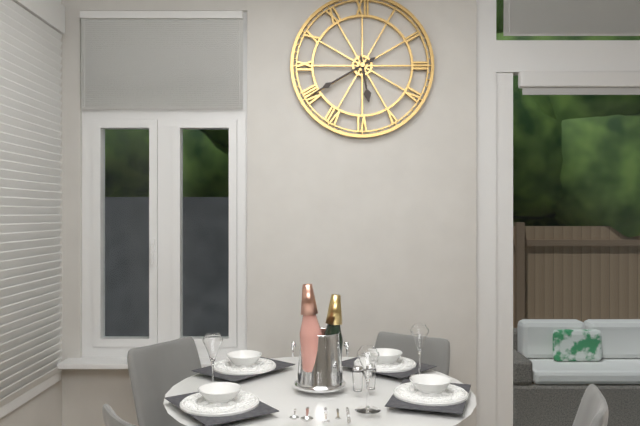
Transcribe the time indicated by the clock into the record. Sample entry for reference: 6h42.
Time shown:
5h40
